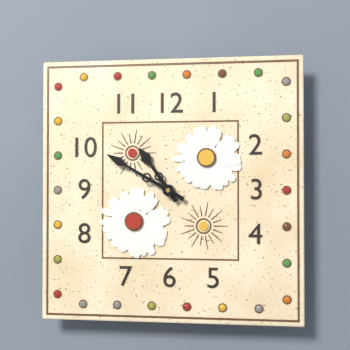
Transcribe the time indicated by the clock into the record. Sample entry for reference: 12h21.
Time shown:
10h50
